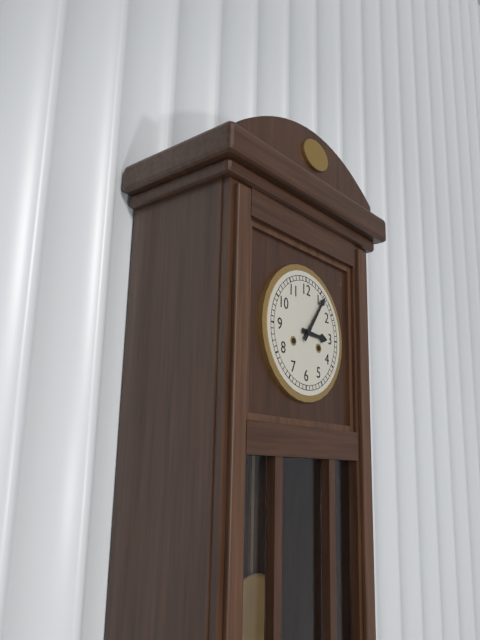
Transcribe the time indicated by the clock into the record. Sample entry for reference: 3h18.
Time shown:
3h06
